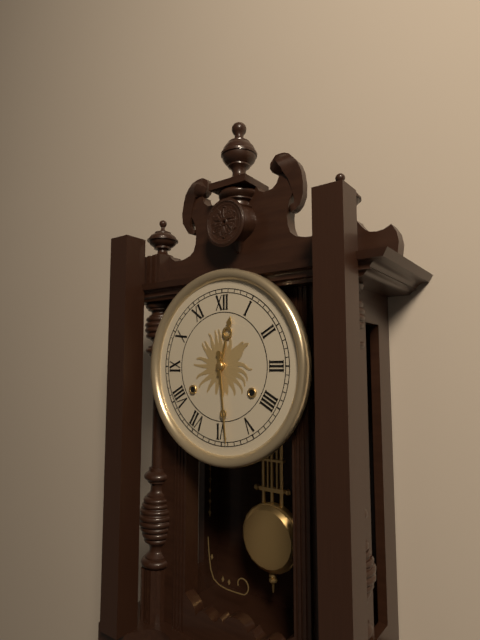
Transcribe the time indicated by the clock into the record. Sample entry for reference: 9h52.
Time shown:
12h29
